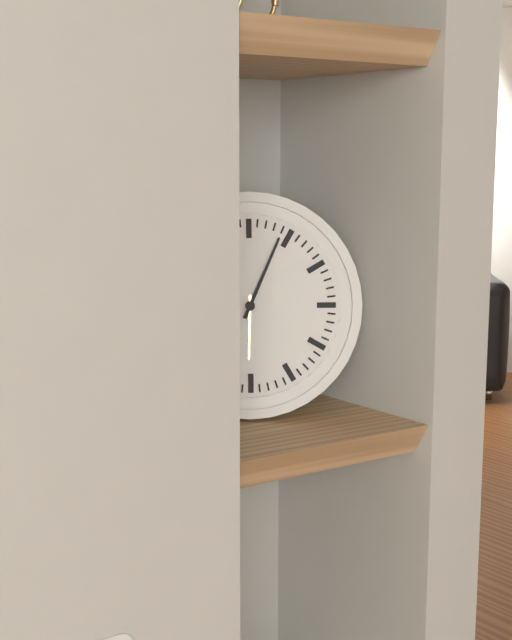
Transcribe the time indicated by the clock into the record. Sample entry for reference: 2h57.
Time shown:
6h04
